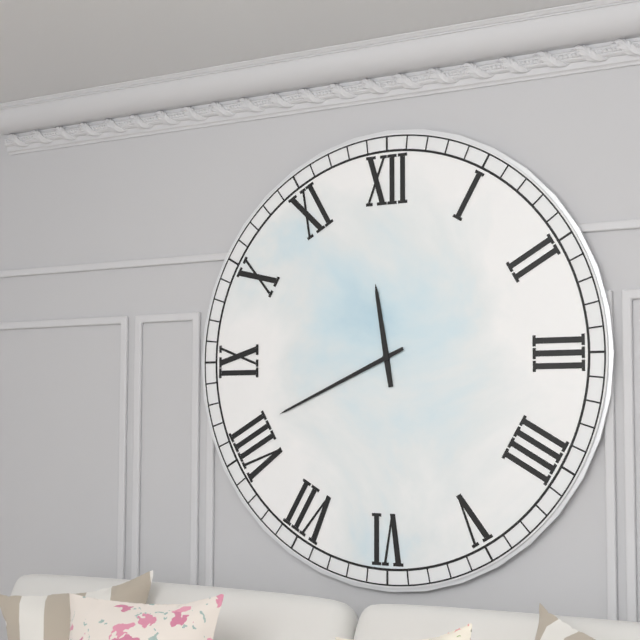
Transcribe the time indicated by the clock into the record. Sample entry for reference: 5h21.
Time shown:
11h41
